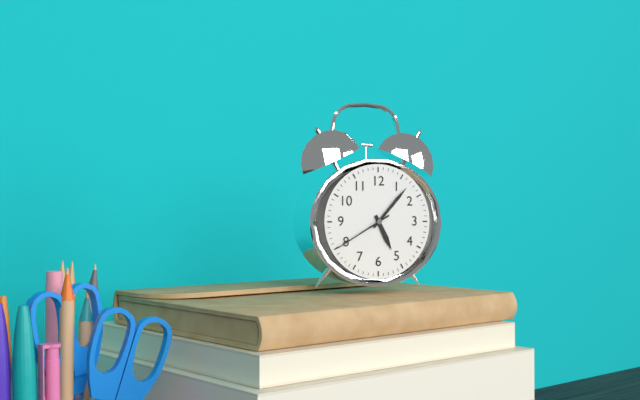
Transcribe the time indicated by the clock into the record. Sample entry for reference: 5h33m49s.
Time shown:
5h07m40s
